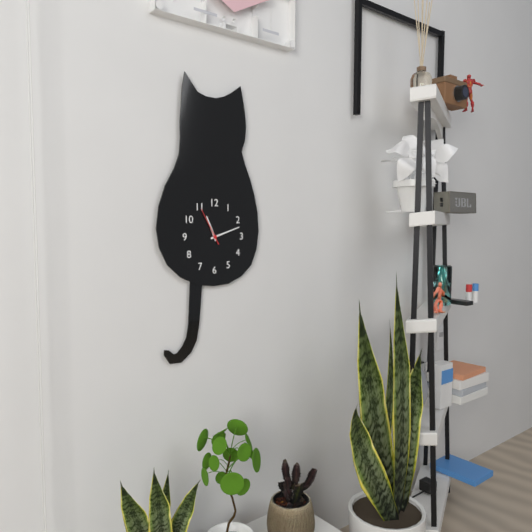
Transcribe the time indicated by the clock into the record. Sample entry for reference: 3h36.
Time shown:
11h12
